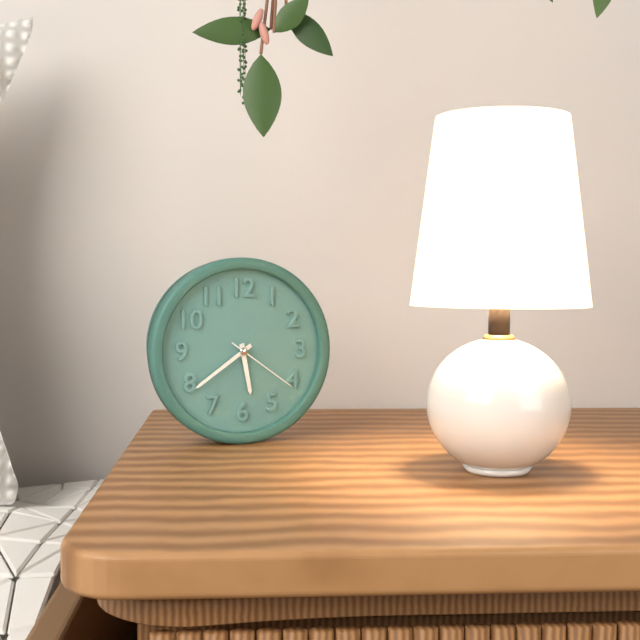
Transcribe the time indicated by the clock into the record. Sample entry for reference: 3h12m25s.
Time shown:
5h39m21s
